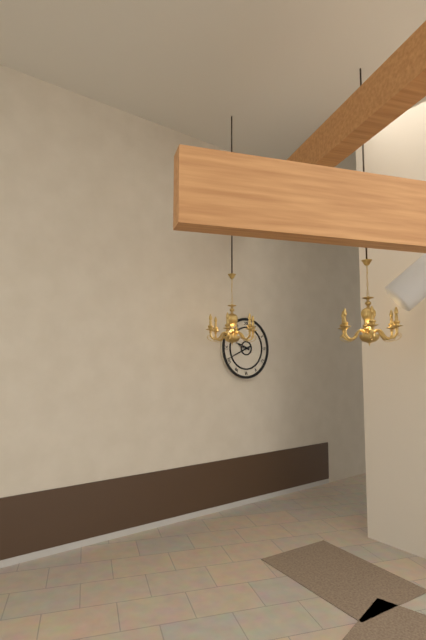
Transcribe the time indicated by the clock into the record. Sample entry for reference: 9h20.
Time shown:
9h41
